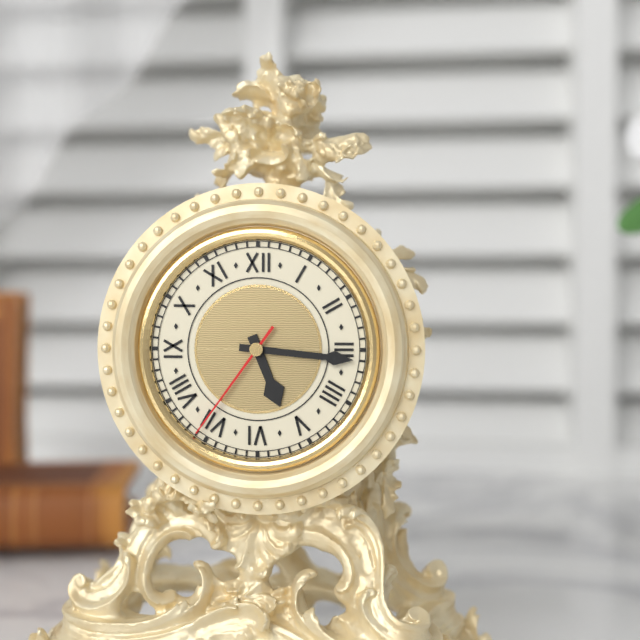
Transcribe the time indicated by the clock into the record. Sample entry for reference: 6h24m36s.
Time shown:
5h16m36s
